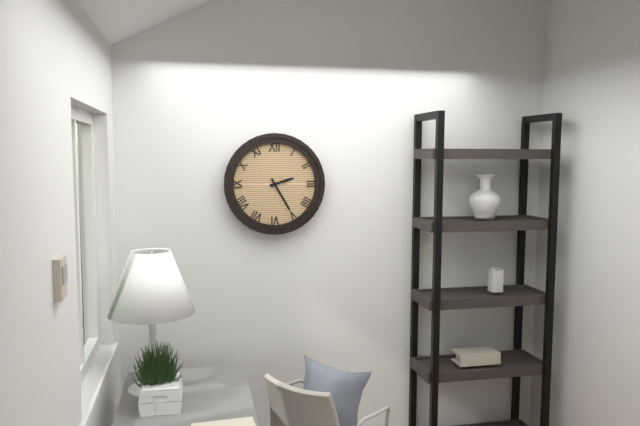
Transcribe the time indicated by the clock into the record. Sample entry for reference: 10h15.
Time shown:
2h25
